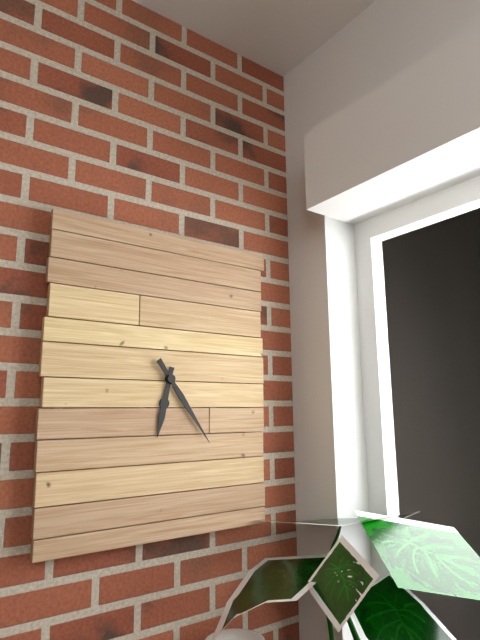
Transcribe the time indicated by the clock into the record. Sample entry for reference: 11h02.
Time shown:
6h24
